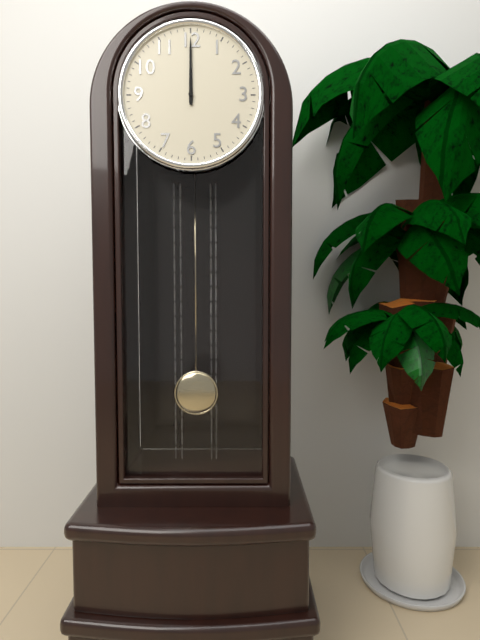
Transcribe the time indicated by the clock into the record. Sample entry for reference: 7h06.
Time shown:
12h00
